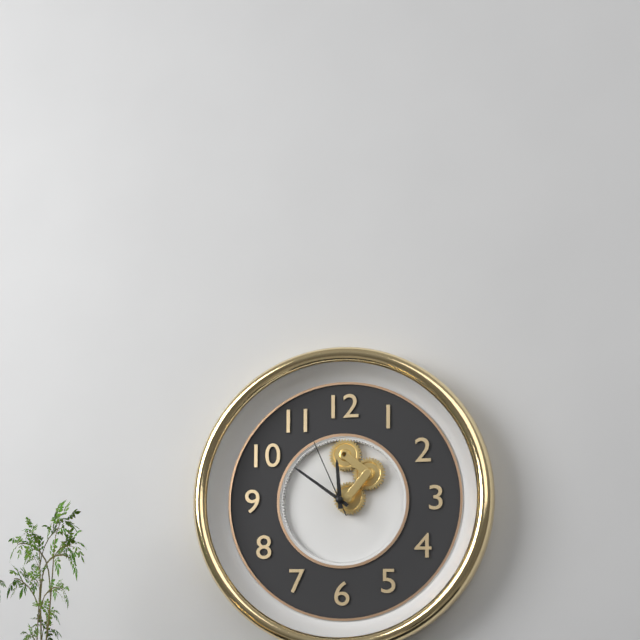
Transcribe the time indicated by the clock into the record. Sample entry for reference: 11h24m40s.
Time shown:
11h51m56s
